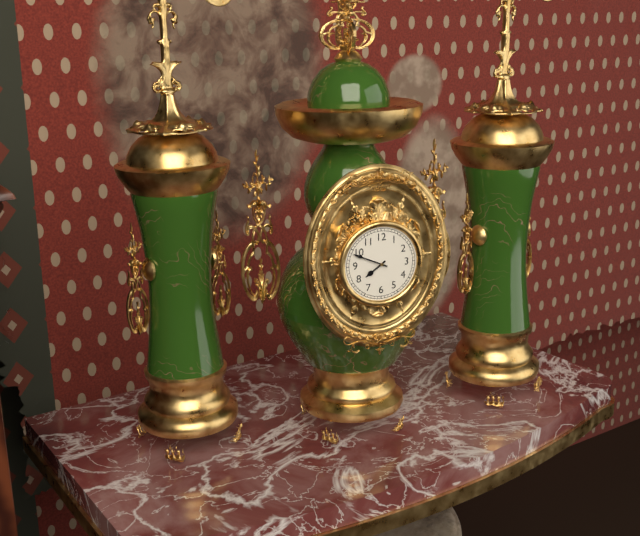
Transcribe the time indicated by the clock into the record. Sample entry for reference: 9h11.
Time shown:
7h49
